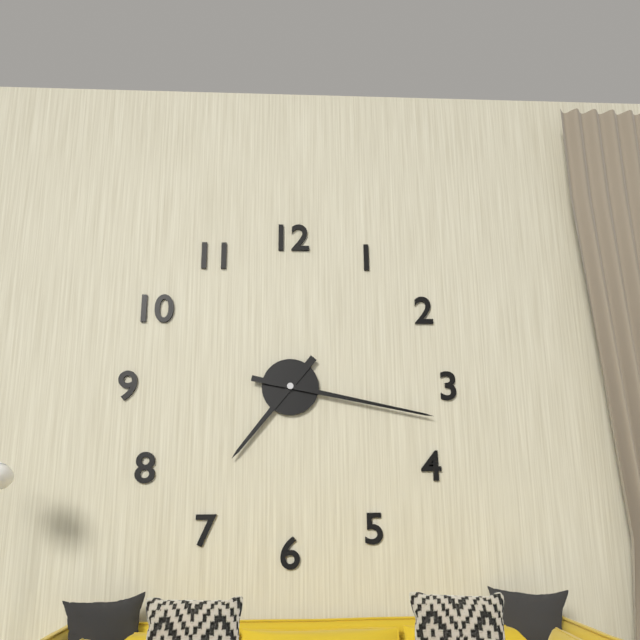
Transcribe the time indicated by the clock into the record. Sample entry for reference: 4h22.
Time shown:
7h17
